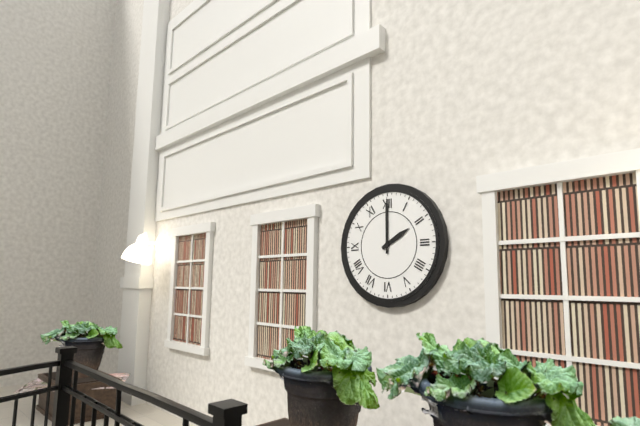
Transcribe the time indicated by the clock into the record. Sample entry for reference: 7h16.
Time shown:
2h00
